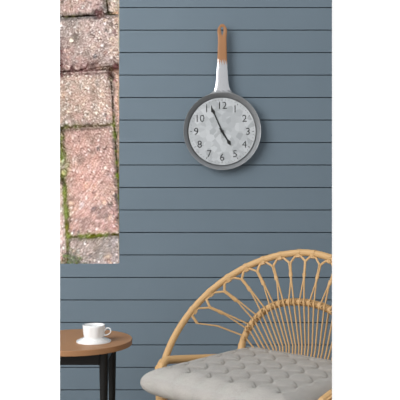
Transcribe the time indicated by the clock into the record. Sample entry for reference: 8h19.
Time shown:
4h56
